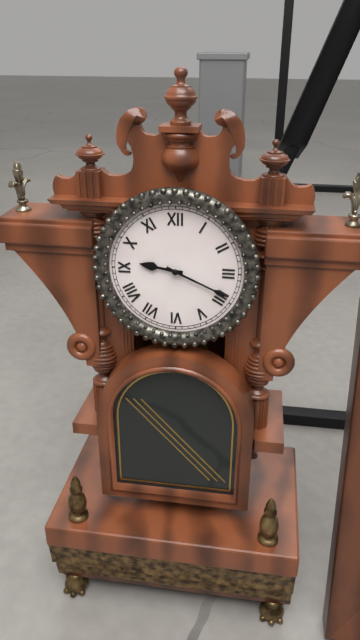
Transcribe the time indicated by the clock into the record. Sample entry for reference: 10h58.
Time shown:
9h19
